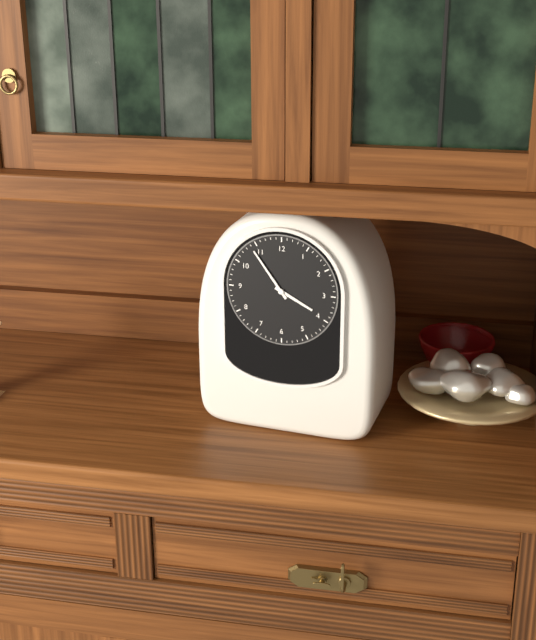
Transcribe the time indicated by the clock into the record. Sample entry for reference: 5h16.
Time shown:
3h54
